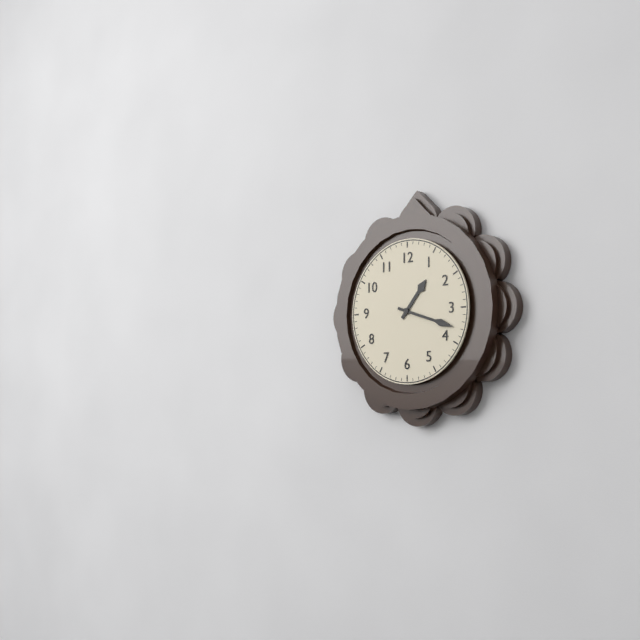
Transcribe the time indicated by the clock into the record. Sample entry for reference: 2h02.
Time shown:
1h18
